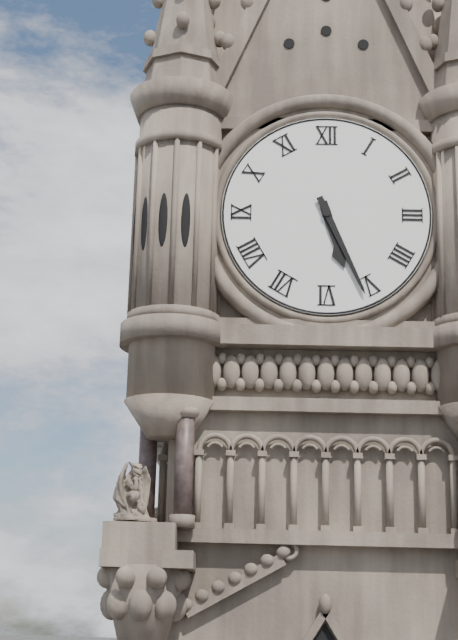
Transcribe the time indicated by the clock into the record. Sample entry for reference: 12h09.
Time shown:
5h26
